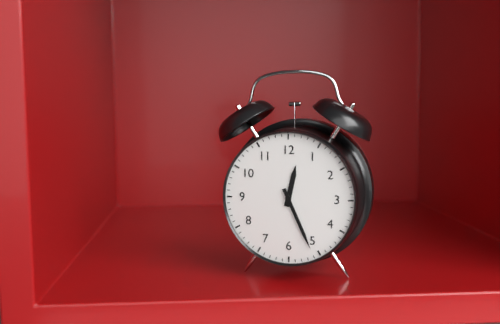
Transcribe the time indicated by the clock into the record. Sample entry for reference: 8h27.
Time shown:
12h26
